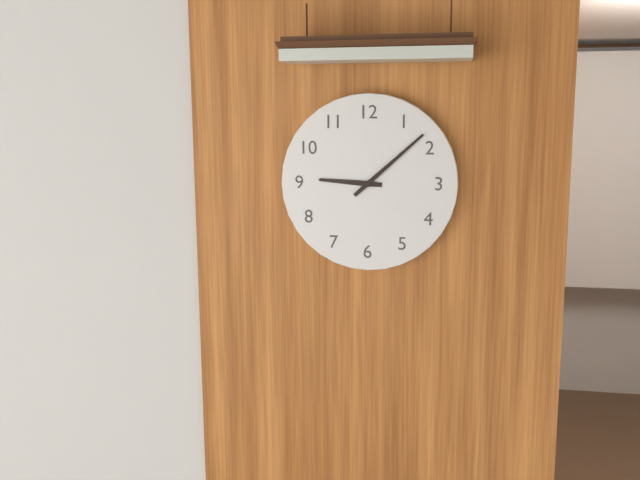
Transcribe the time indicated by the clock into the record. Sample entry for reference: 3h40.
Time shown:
9h08
